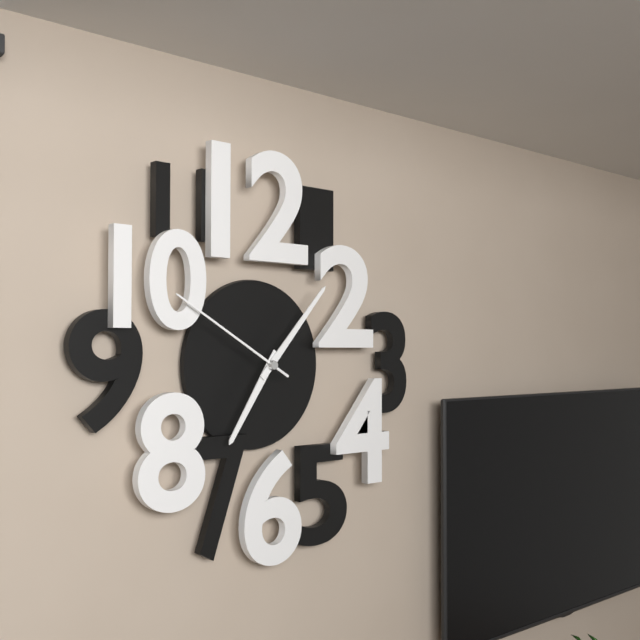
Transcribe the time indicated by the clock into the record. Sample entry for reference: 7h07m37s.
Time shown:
7h07m50s
